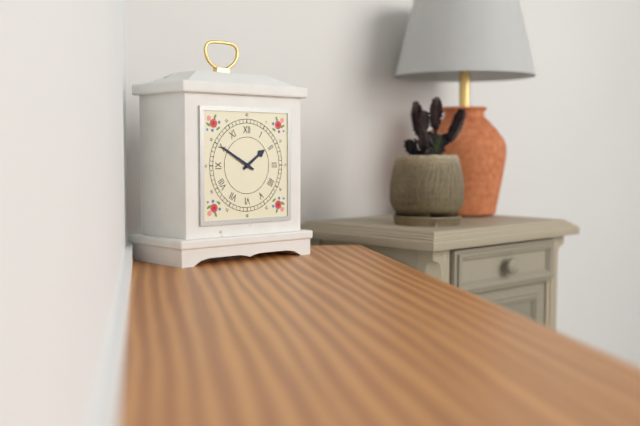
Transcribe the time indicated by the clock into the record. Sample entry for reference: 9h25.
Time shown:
1h50
